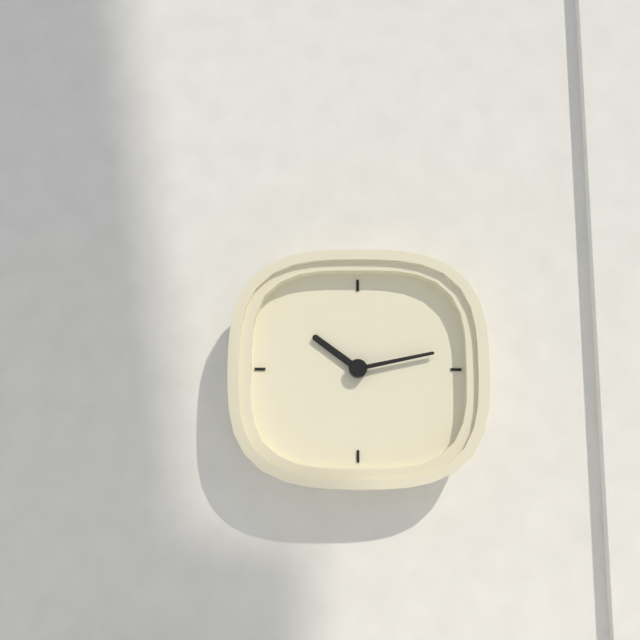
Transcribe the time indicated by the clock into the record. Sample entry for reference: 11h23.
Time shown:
10h13
